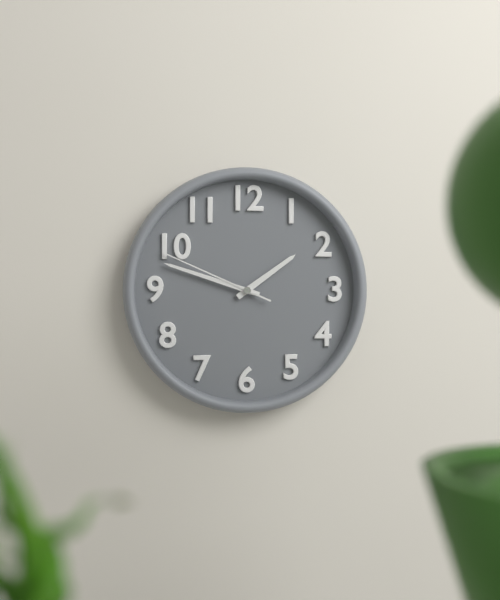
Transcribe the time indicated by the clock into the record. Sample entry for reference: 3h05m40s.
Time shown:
1h48m49s
